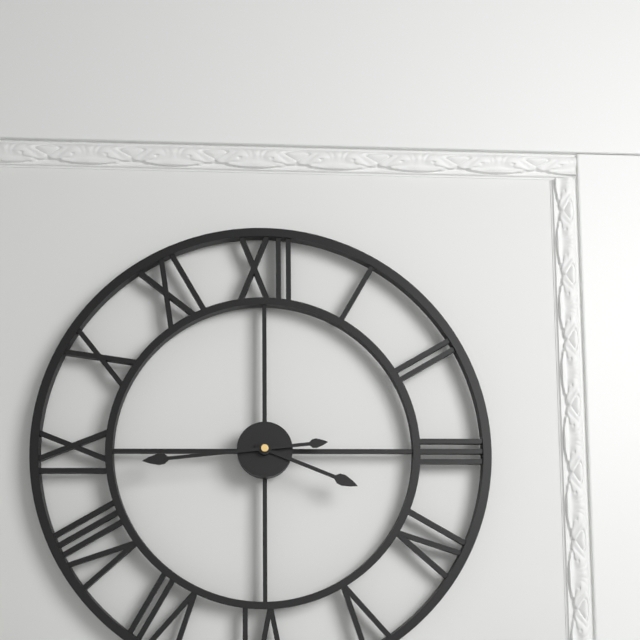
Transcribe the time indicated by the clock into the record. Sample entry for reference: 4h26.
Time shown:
3h44
